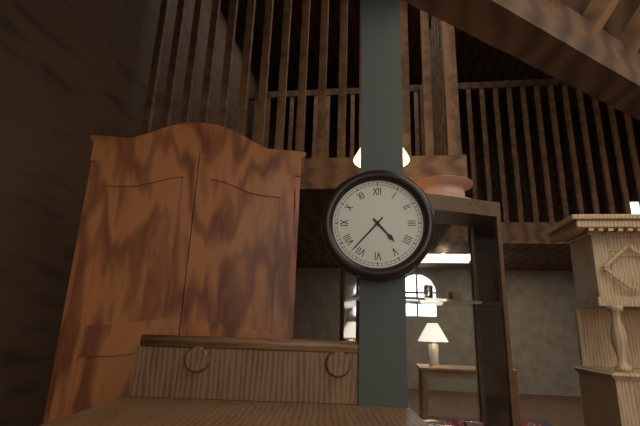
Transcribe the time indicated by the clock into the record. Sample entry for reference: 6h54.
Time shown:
4h37
